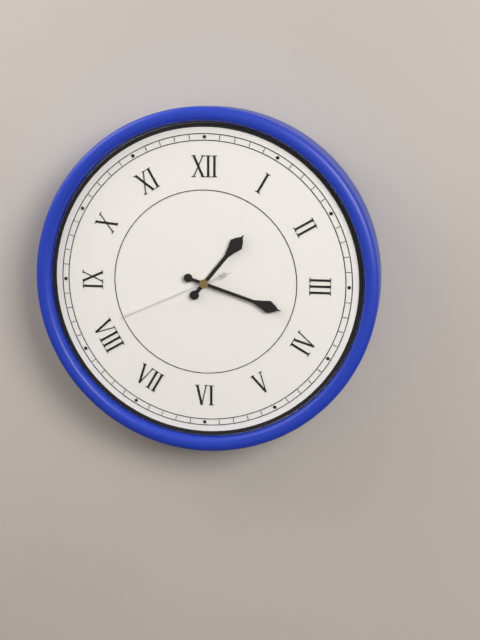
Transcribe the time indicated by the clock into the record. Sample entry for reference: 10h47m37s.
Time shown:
1h18m41s
